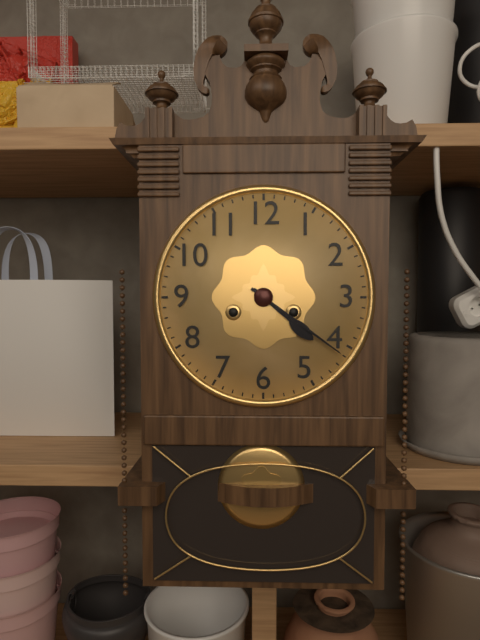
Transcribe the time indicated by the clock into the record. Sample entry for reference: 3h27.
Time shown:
4h21
